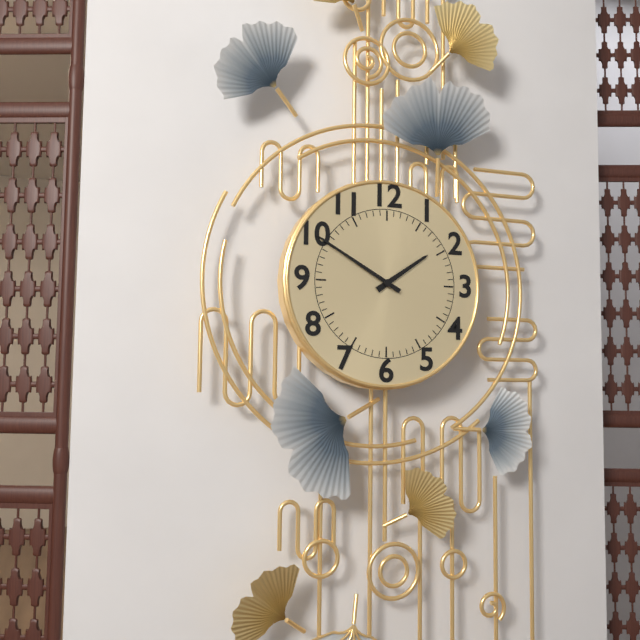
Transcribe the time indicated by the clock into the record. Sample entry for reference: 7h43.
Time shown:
1h50
